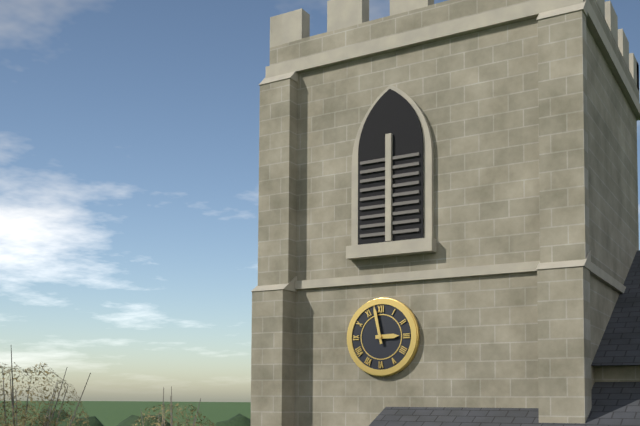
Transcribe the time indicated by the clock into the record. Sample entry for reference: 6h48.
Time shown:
2h58
